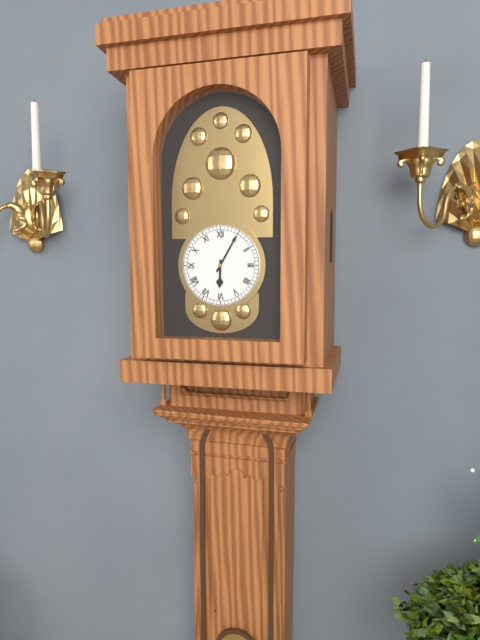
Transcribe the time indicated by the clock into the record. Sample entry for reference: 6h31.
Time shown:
6h05
